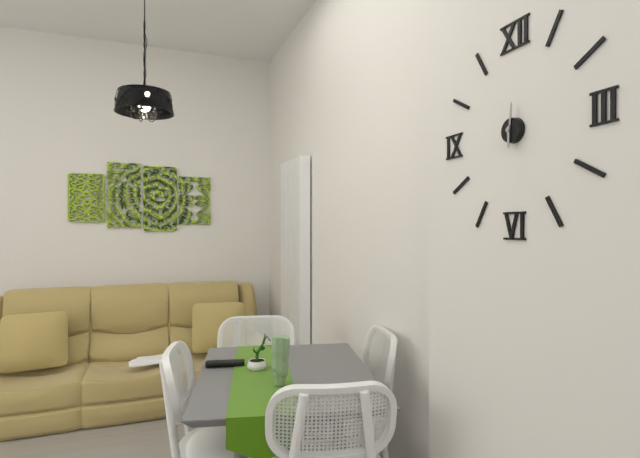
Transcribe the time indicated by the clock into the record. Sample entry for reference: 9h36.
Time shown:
6h01
